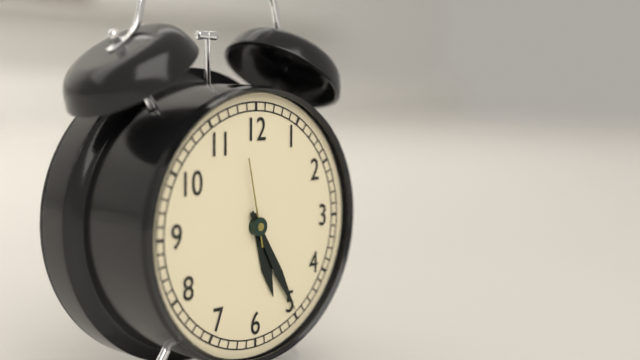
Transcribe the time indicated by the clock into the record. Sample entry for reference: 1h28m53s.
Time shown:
5h25m58s
